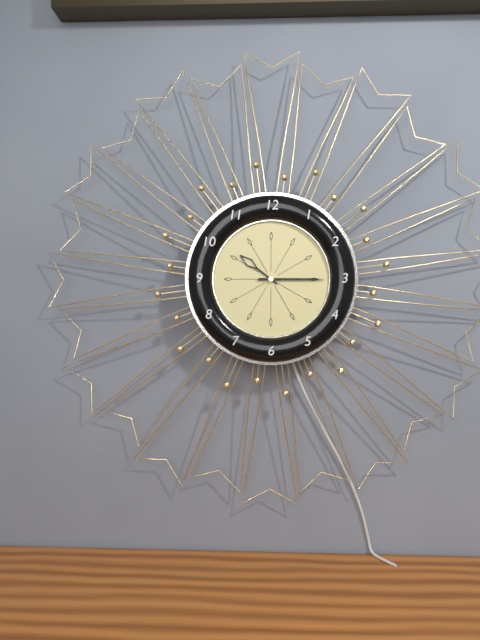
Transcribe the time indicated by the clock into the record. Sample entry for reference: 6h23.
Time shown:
10h15
